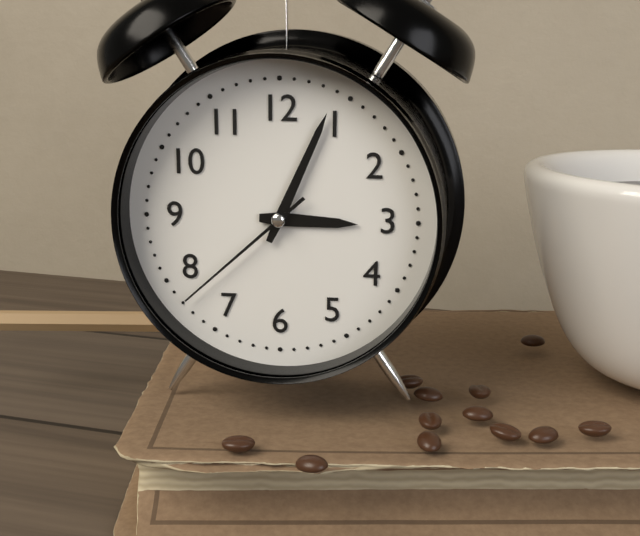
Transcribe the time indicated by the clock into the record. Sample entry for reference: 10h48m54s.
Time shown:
3h04m38s
